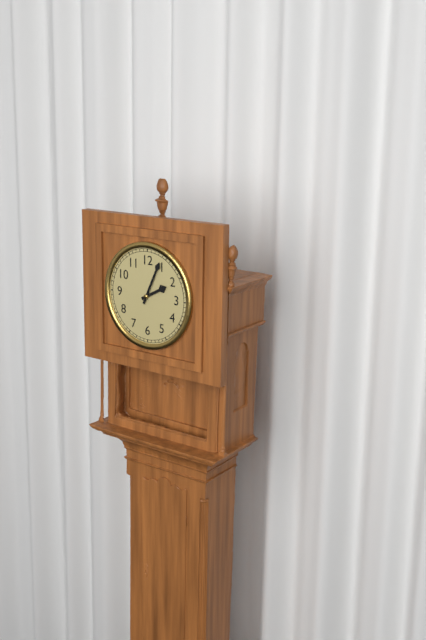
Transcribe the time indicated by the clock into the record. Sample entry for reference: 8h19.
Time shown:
2h04
